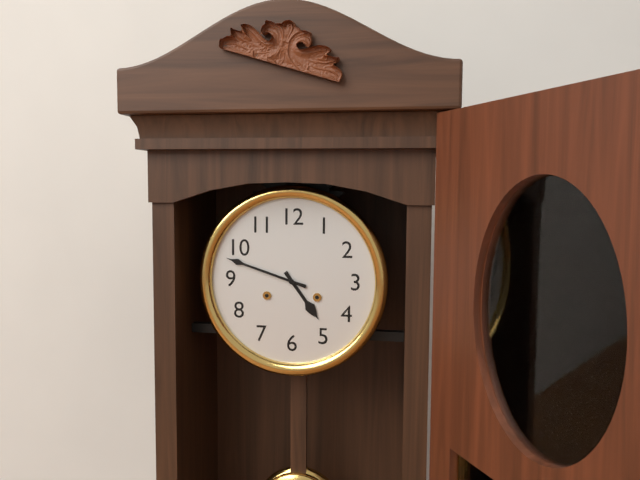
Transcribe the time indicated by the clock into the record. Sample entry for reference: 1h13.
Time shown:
4h48
